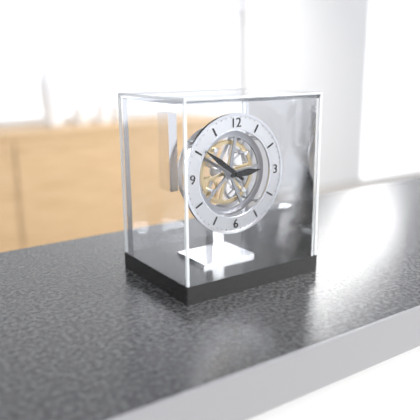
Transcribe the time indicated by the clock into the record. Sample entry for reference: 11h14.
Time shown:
2h51
